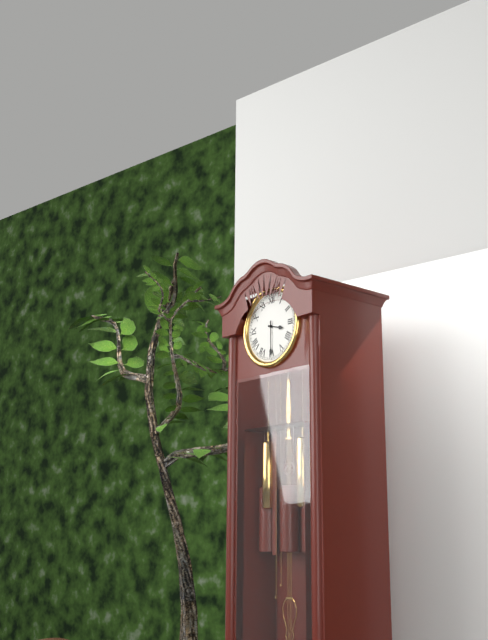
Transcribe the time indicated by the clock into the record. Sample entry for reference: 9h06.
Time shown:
3h30
